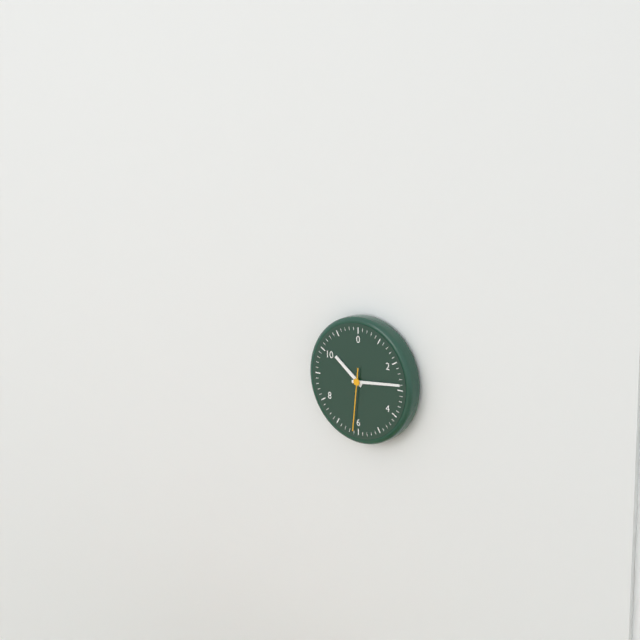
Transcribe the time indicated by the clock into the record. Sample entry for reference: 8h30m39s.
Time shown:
10h14m31s
